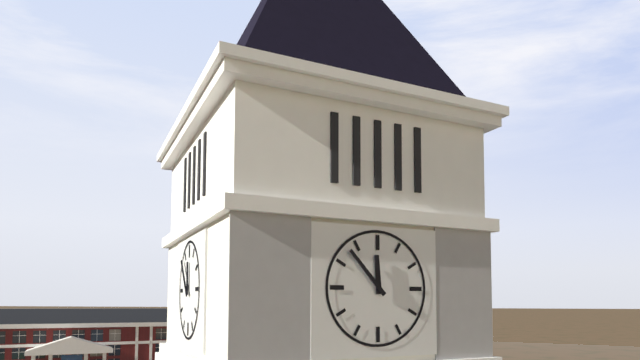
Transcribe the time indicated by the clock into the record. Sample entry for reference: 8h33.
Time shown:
11h53
